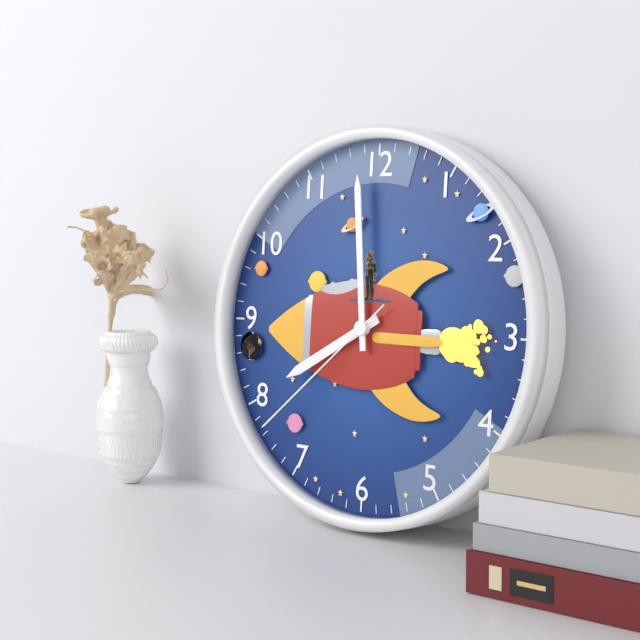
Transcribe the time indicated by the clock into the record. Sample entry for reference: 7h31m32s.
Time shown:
7h59m38s
